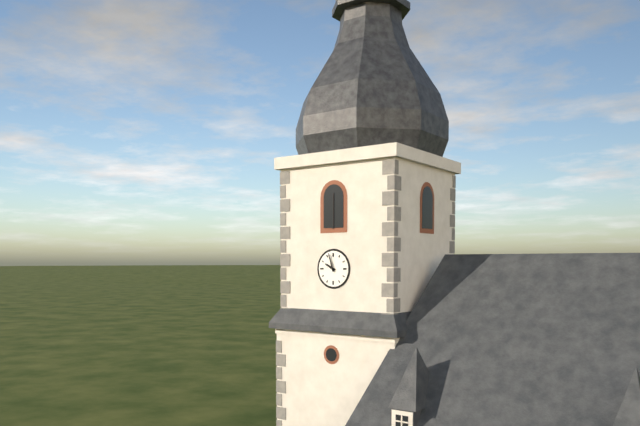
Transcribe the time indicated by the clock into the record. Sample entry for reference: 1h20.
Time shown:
9h57
